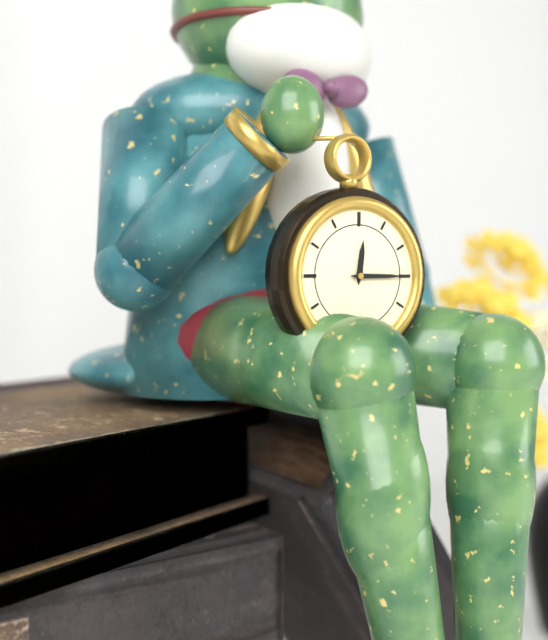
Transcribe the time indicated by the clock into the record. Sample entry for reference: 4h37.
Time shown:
12h15
